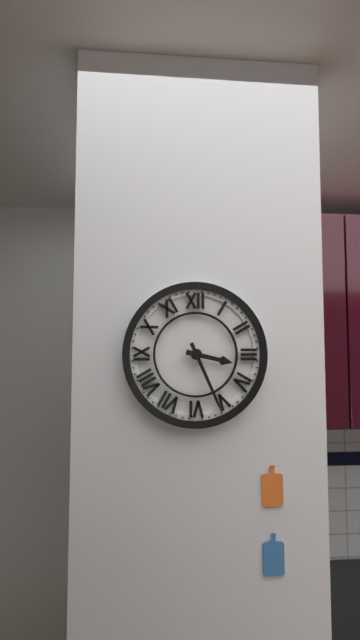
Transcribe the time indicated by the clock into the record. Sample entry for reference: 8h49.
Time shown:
3h26
